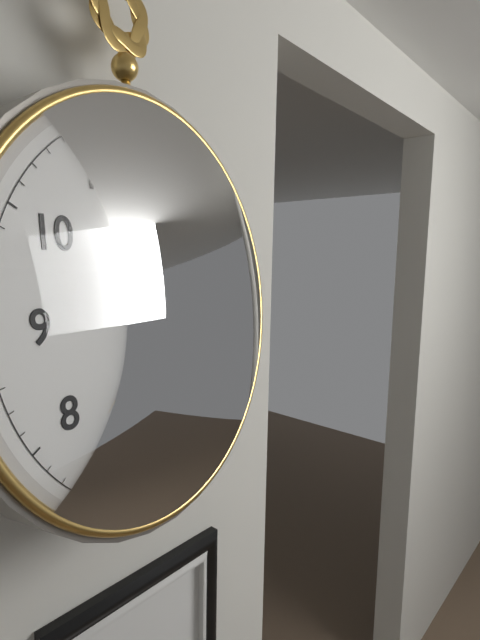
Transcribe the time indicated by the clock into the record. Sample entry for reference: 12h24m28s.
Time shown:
7h33m27s
